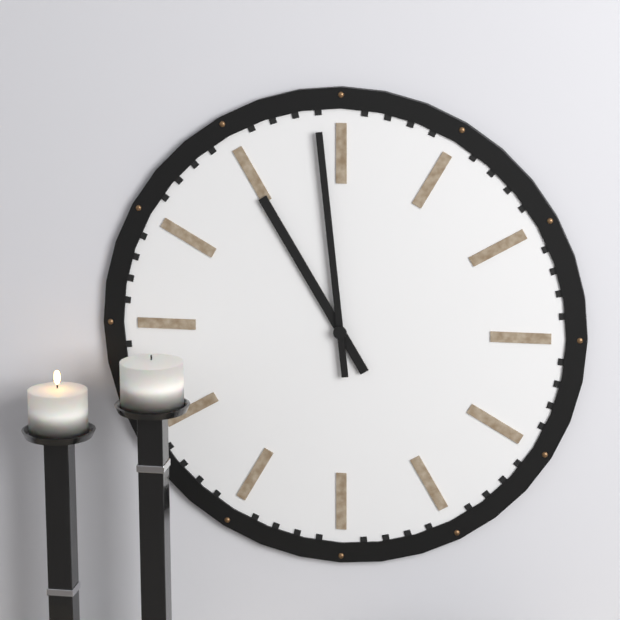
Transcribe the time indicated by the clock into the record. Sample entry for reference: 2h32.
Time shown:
10h59
